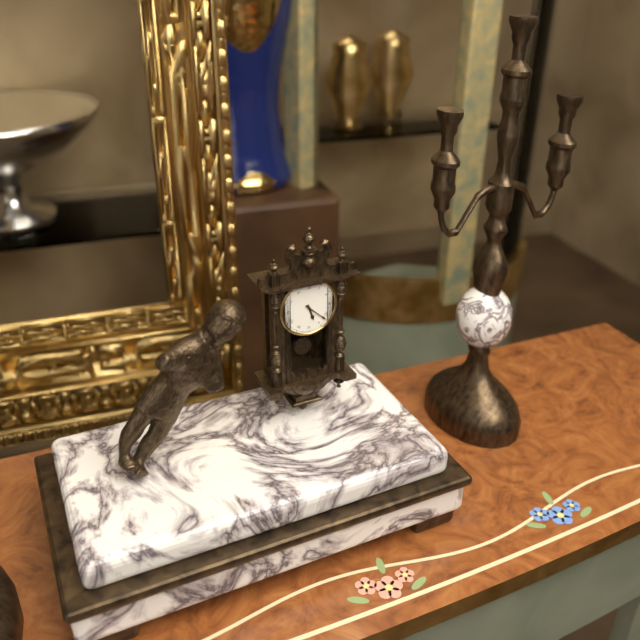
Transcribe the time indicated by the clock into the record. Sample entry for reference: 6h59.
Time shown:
5h22
